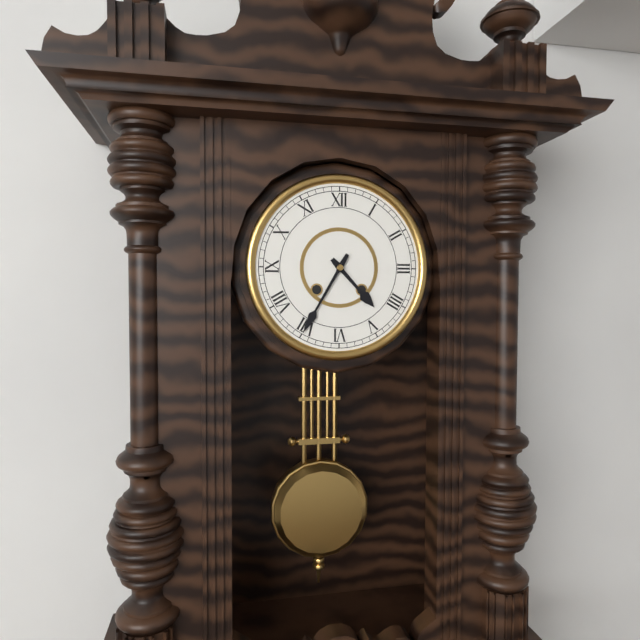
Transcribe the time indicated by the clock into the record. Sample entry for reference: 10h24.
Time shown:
4h35
